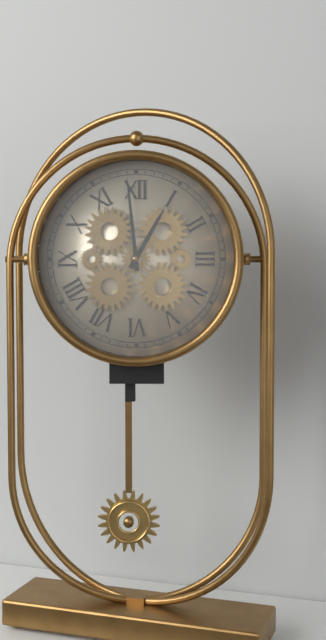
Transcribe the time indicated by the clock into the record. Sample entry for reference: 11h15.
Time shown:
12h59
